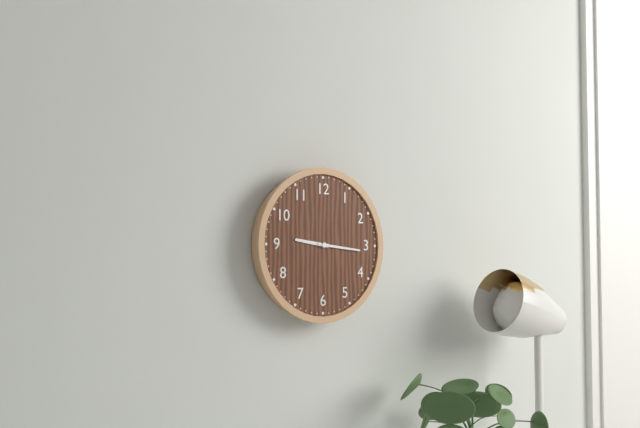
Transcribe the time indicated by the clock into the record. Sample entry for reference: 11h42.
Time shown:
9h16
